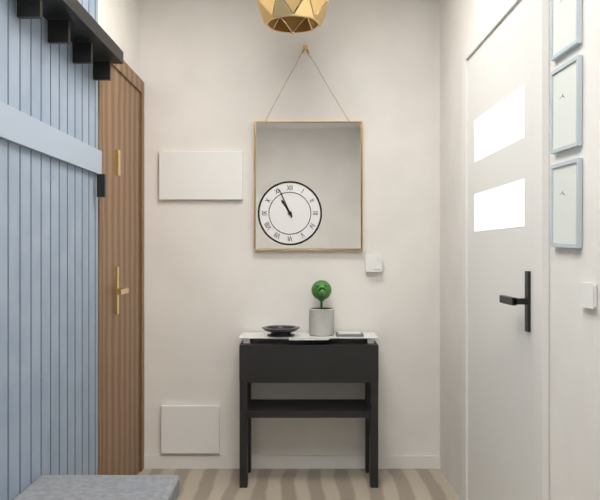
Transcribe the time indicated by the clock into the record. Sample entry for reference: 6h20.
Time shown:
10h56
